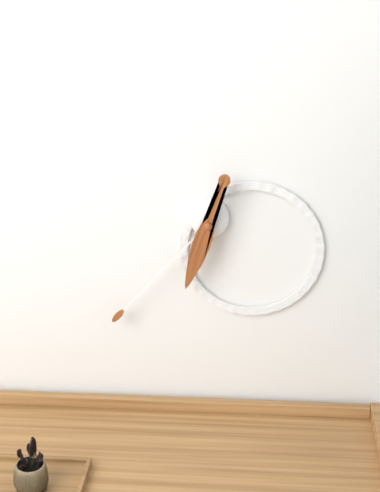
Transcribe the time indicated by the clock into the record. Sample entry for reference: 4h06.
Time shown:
6h37
